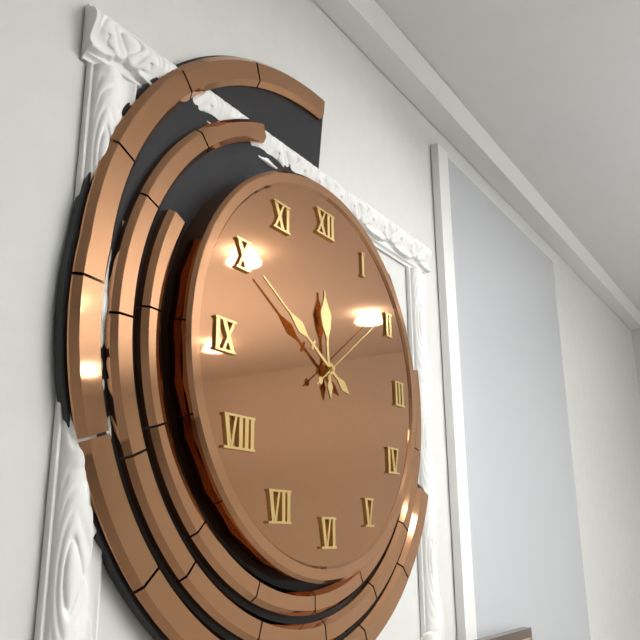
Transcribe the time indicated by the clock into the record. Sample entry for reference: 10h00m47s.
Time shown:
11h50m09s
